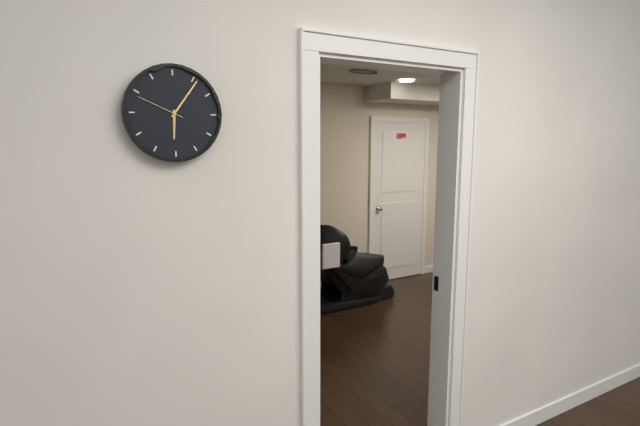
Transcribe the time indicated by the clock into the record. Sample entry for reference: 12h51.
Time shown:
6h06
